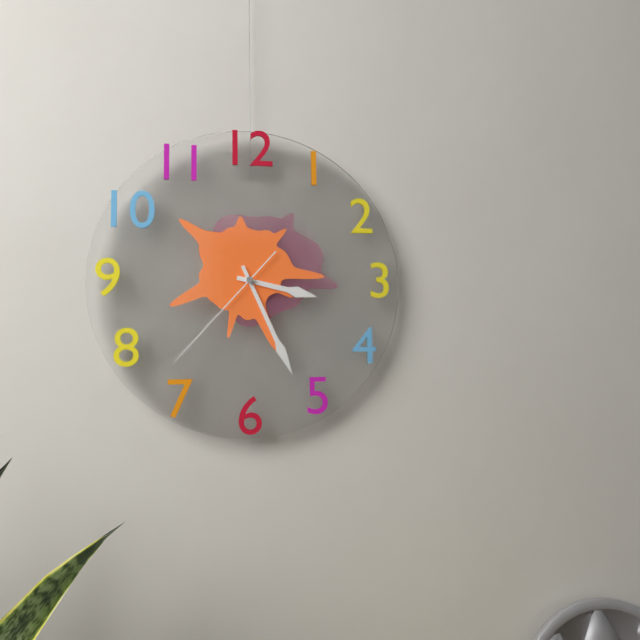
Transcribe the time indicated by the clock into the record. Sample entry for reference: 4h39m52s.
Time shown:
3h26m37s
